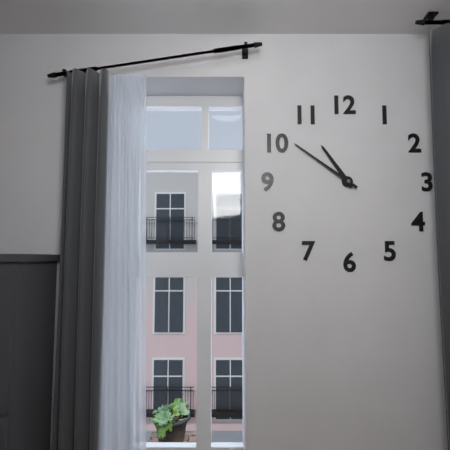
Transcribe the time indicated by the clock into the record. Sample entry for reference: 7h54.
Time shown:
10h51
